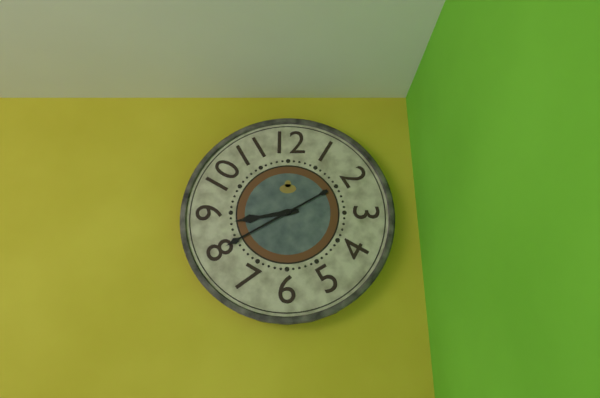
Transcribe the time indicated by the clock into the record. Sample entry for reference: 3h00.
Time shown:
8h40
